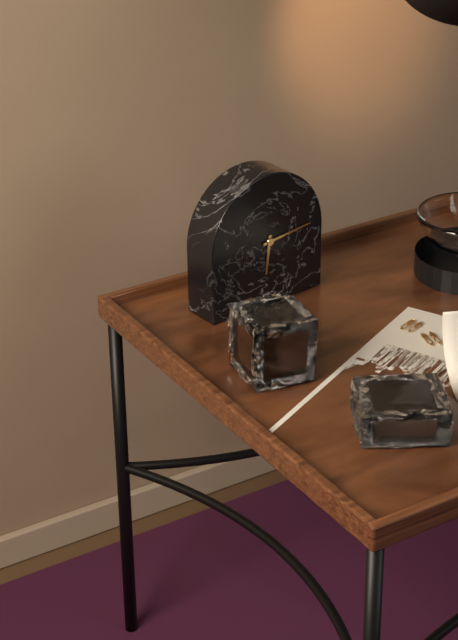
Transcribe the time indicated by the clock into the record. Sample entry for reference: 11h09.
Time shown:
6h14
